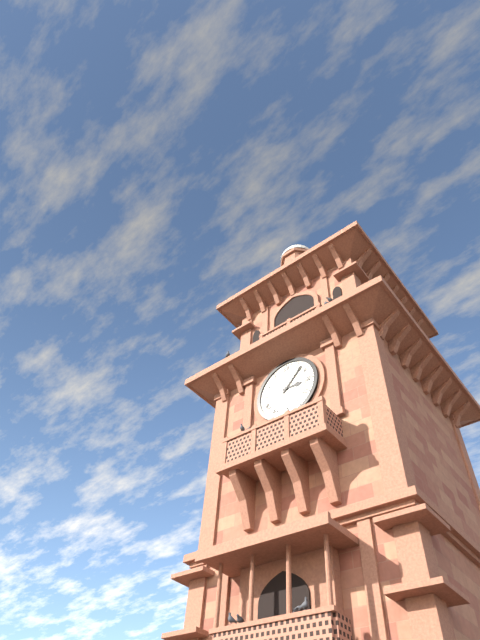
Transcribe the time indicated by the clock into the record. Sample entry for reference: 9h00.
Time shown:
3h07
